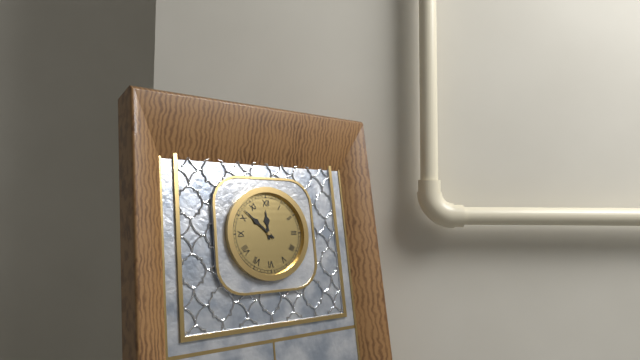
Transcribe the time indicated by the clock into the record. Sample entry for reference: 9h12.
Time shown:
11h52
